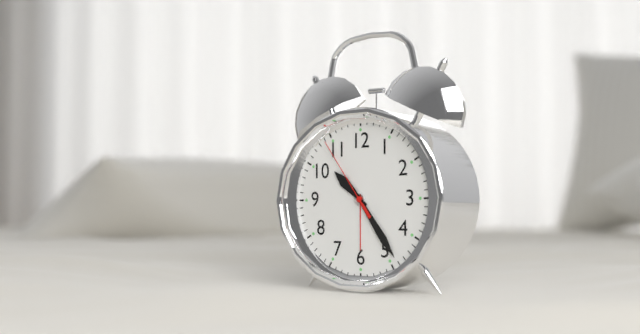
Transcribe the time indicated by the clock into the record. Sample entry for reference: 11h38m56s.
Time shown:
10h24m54s
